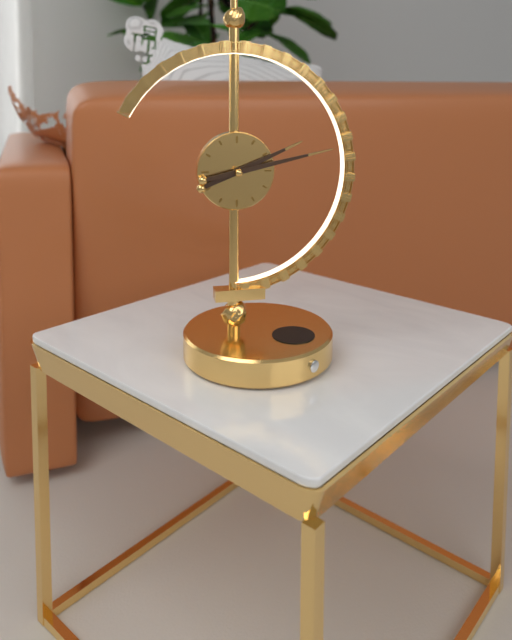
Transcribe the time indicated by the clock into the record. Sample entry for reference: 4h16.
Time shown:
2h13
